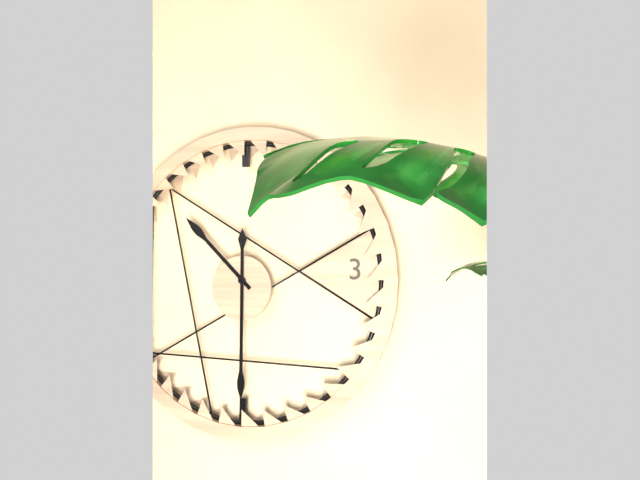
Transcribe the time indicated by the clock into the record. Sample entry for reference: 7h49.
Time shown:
10h30
